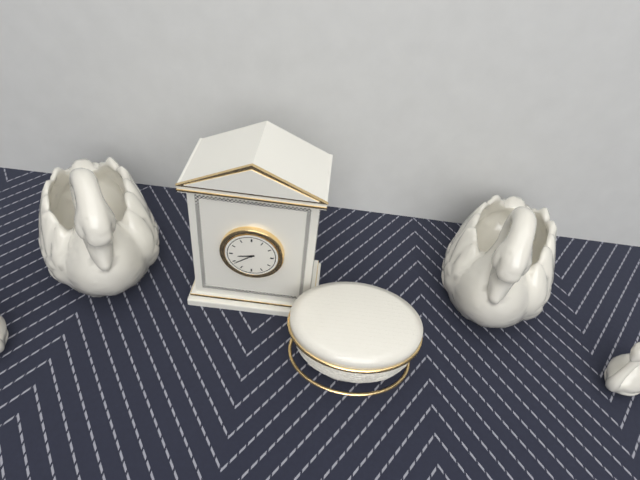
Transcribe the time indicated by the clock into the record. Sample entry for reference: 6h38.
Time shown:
8h39
